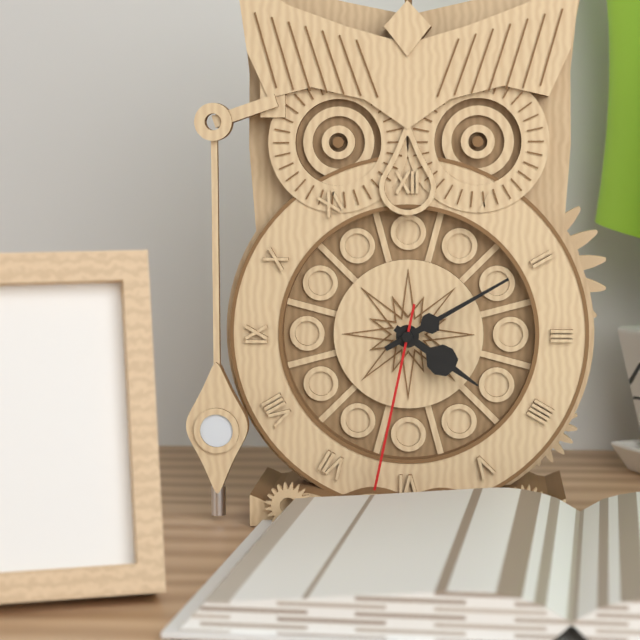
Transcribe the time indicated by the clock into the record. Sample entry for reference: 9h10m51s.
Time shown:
4h10m32s
